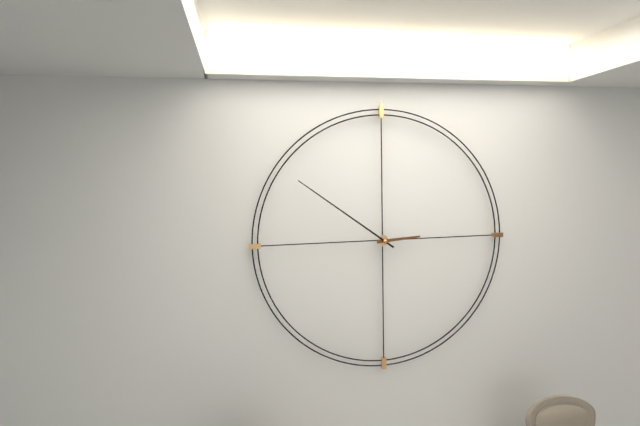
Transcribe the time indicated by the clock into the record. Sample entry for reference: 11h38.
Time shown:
2h51
